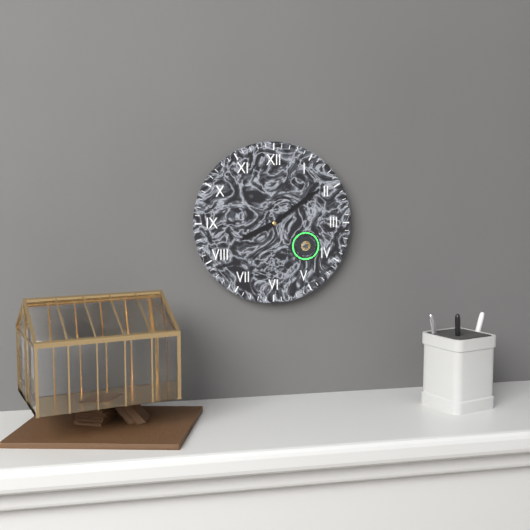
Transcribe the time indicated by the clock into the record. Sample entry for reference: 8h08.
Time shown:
8h09
